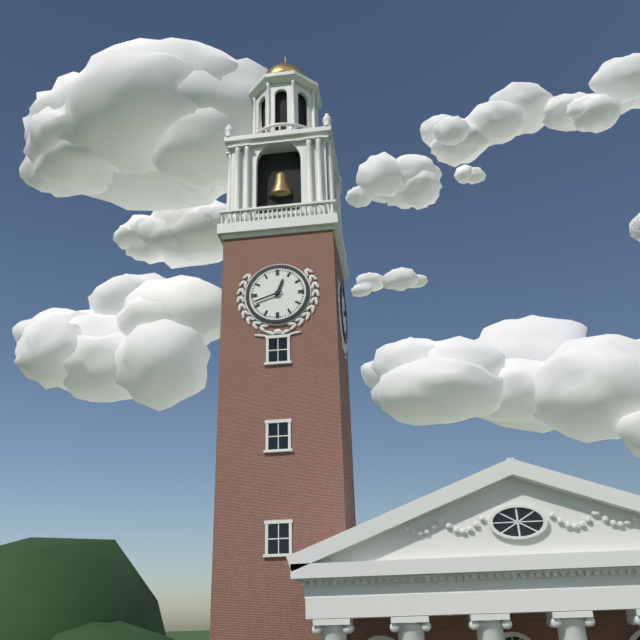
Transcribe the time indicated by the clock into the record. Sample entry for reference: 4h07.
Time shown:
12h42
